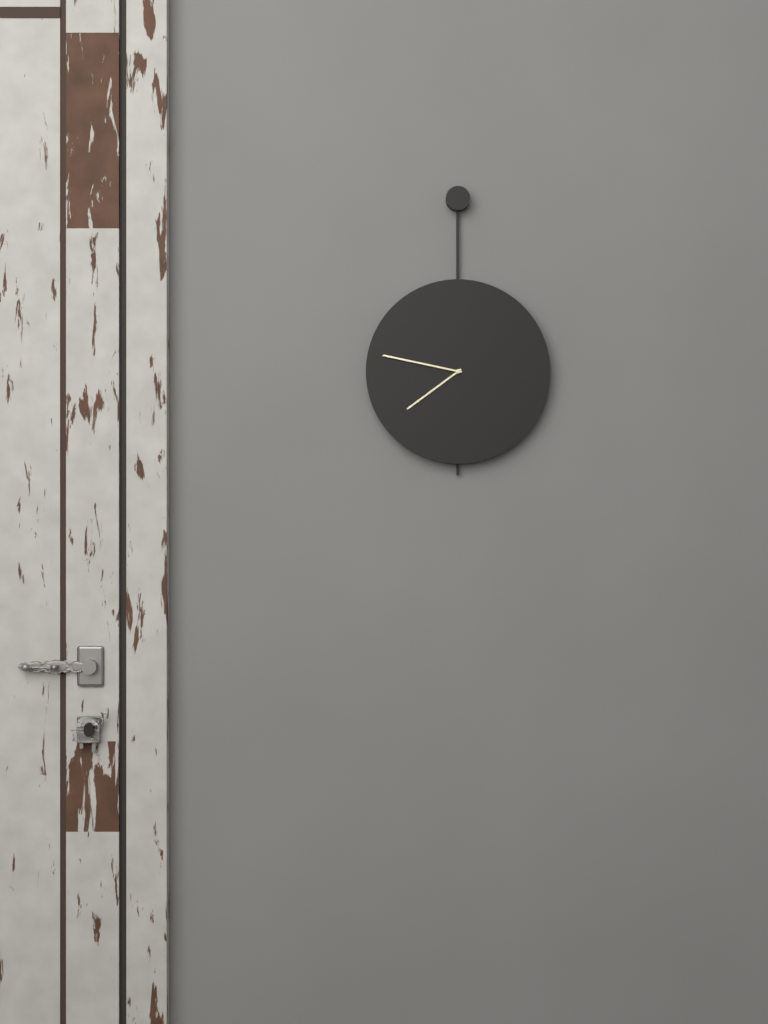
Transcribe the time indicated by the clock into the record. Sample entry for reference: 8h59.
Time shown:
7h47
